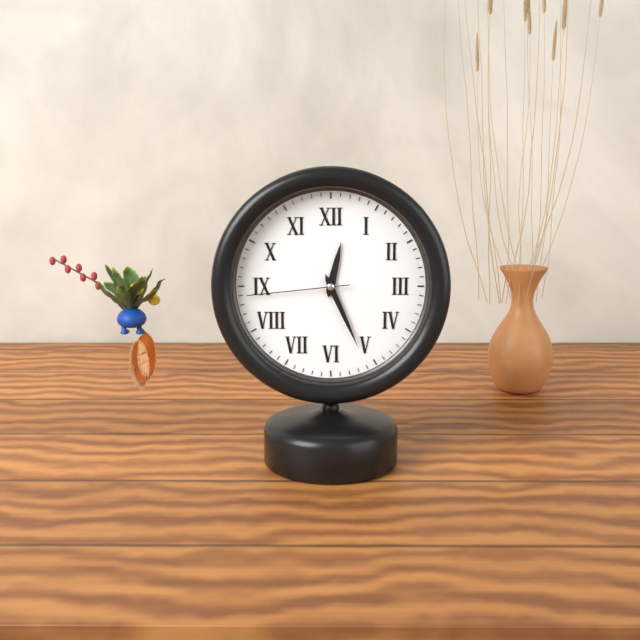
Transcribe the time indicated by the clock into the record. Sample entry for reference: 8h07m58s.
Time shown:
12h26m44s
